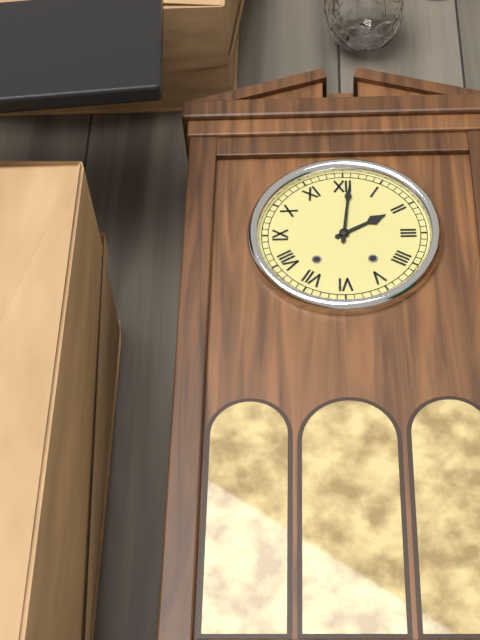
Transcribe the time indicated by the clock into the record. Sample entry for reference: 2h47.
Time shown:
2h01
